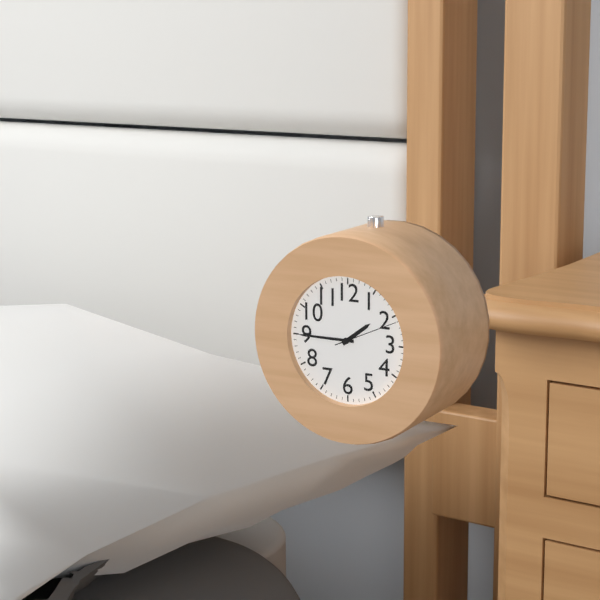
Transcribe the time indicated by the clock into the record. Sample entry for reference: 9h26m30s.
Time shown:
1h45m11s
